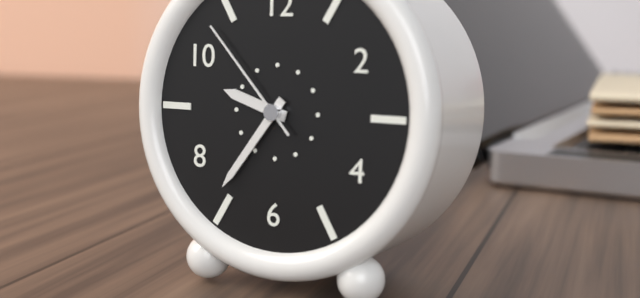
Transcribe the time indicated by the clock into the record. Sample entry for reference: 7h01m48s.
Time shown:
9h36m53s
